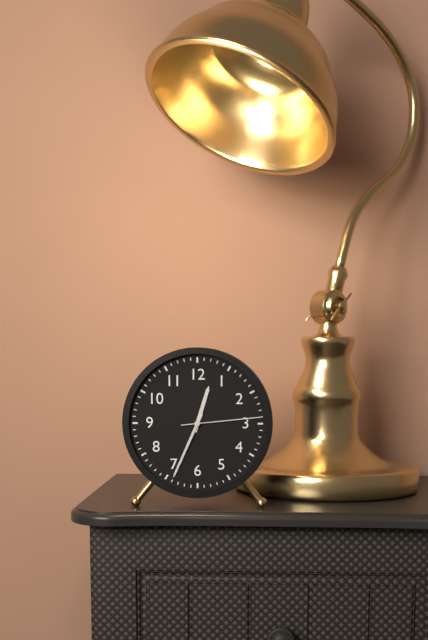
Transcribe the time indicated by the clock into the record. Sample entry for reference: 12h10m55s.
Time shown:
12h34m14s
